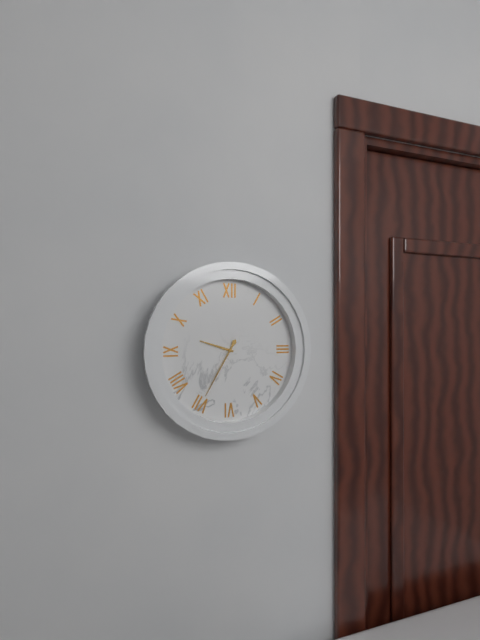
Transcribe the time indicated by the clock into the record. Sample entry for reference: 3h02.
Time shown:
9h35
